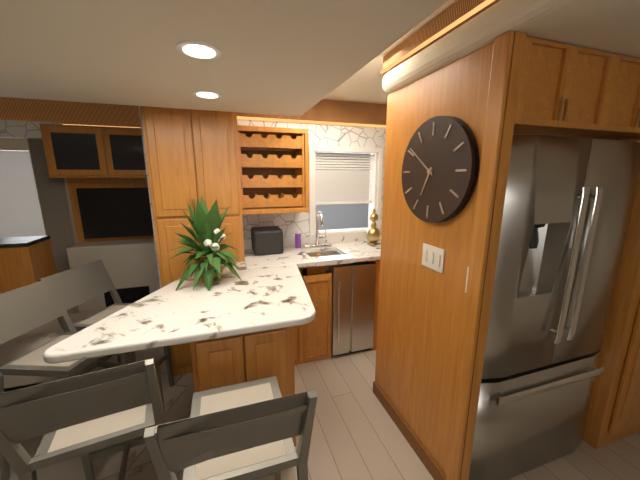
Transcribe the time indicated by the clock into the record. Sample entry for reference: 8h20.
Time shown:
6h51
